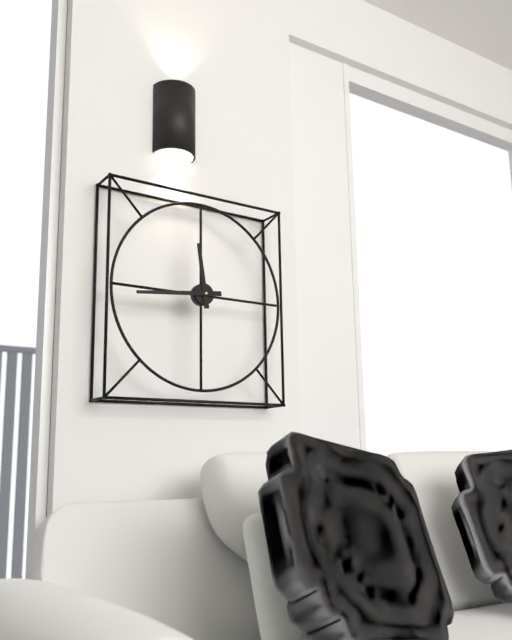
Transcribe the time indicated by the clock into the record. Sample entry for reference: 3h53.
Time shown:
11h44
